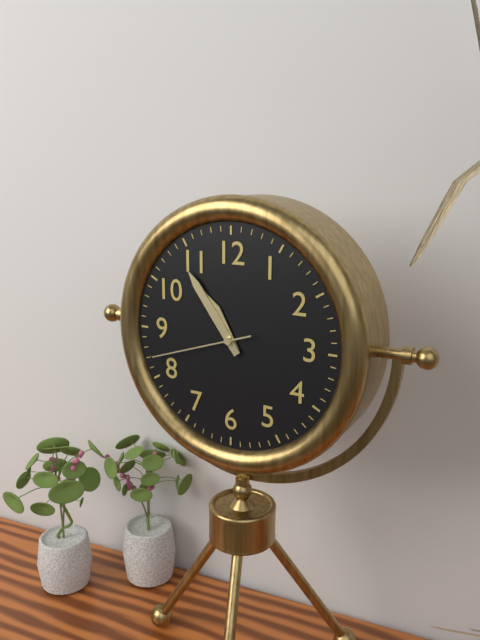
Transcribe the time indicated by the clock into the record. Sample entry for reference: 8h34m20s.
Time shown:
10h54m42s
